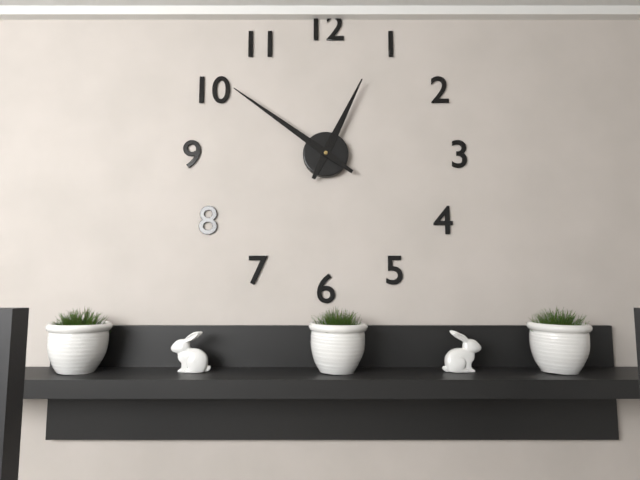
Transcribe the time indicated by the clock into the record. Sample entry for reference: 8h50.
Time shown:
12h51
